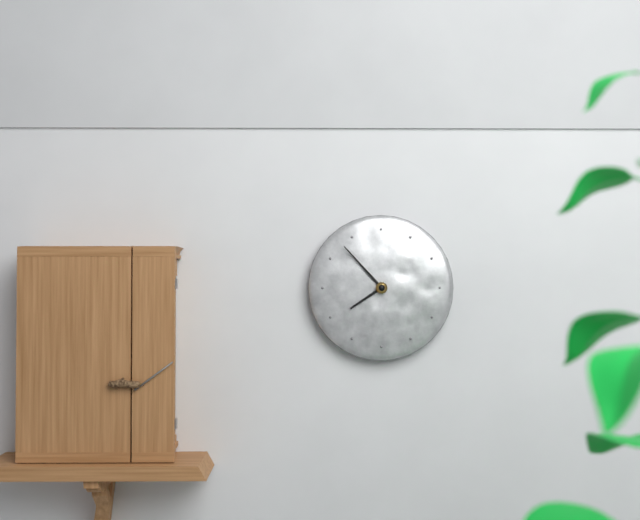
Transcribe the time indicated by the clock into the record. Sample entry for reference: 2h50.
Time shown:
7h53
